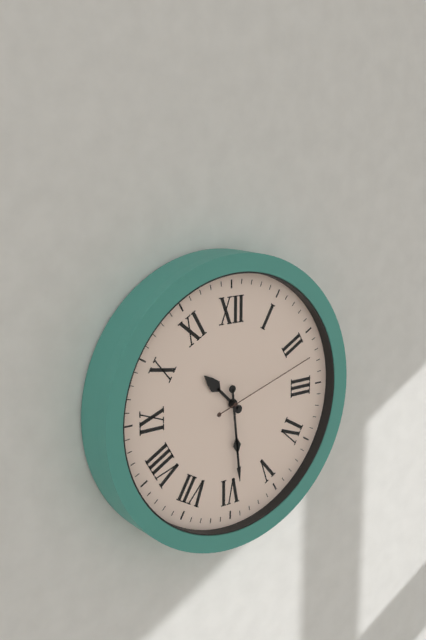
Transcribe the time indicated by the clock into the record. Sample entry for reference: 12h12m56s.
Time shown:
10h29m12s
